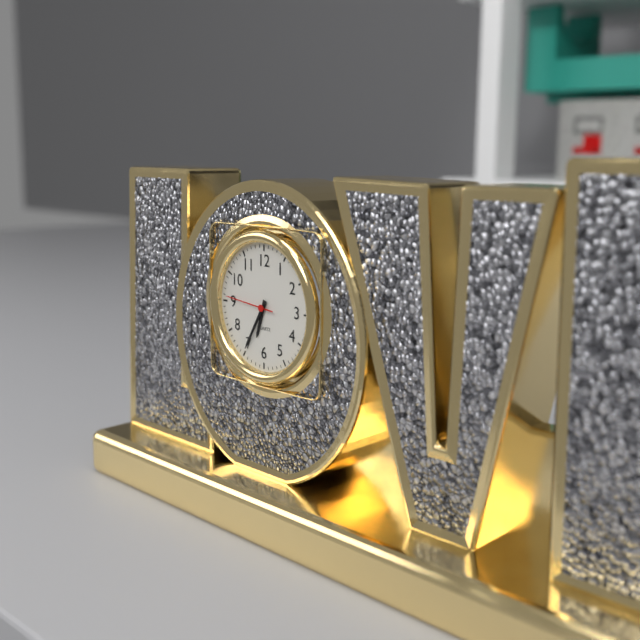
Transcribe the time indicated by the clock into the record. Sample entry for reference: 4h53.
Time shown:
6h35
